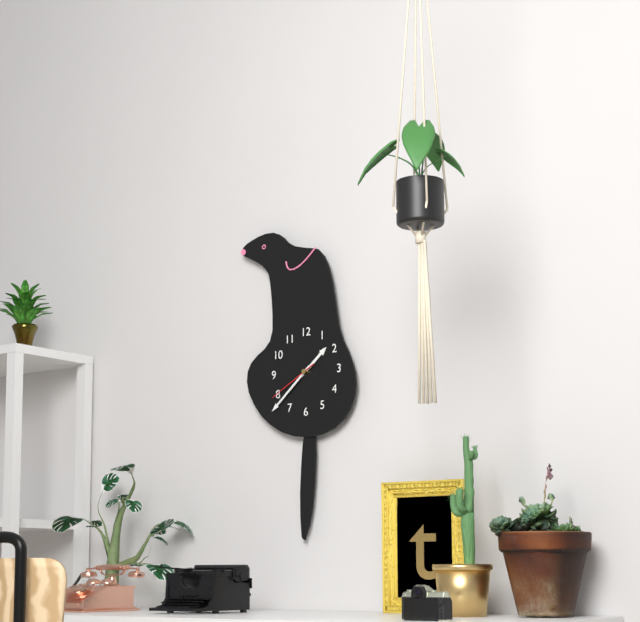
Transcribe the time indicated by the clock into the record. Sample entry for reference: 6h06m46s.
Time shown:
1h38m40s
